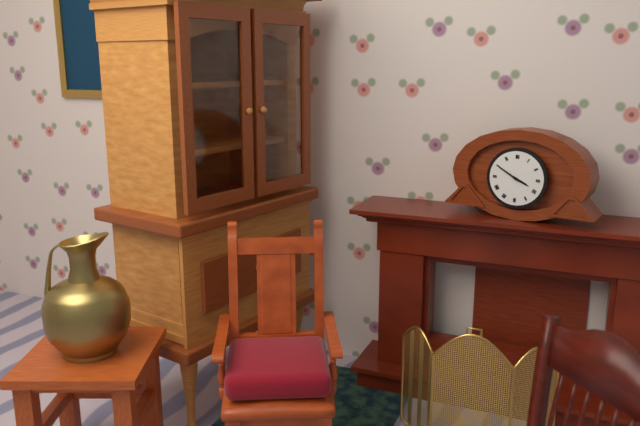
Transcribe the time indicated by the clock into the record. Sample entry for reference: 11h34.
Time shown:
3h50
